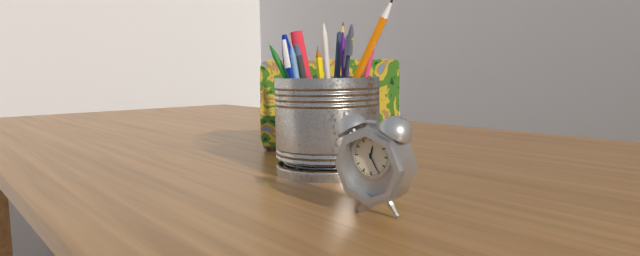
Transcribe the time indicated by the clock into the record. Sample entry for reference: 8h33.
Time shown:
12h25
